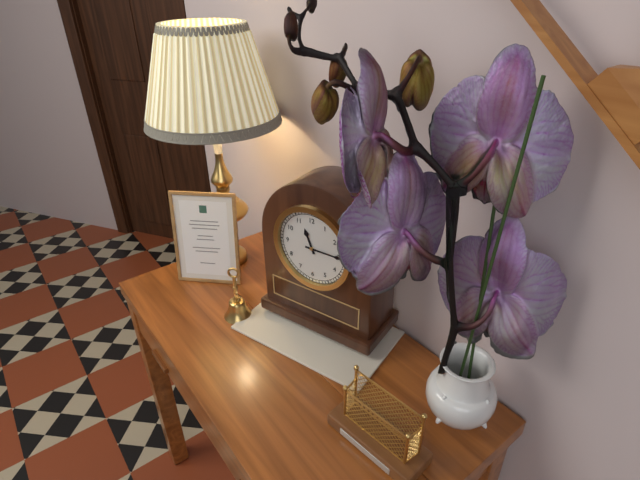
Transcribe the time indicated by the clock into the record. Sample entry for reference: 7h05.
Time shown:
11h15
